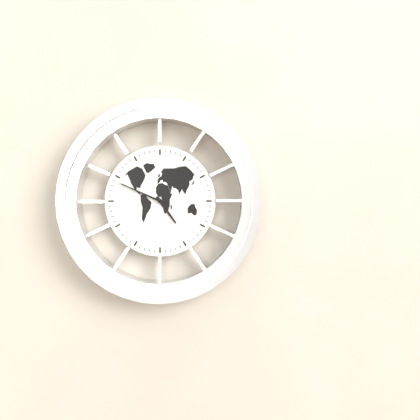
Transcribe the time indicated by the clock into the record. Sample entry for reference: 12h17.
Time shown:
4h49
